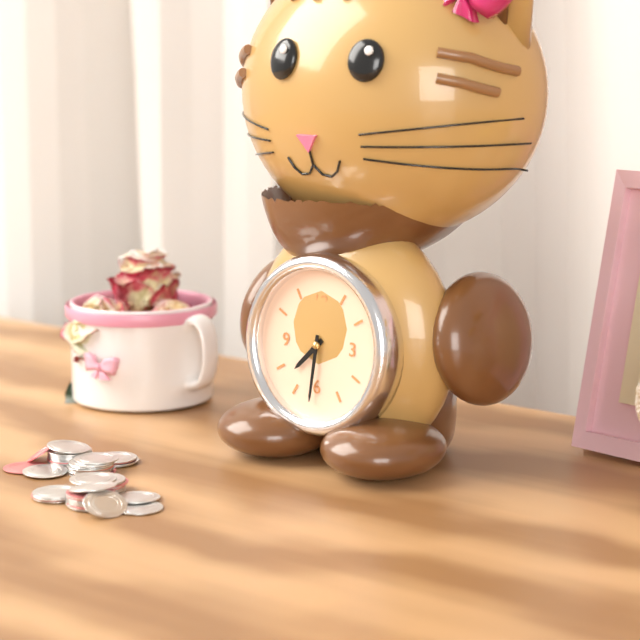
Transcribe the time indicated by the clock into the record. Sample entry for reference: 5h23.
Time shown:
7h31
